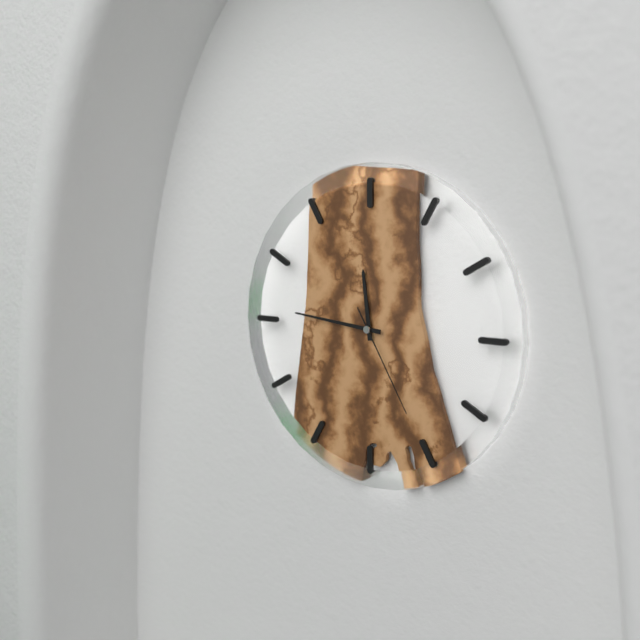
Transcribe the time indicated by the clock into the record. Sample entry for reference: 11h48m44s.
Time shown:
11h46m25s
